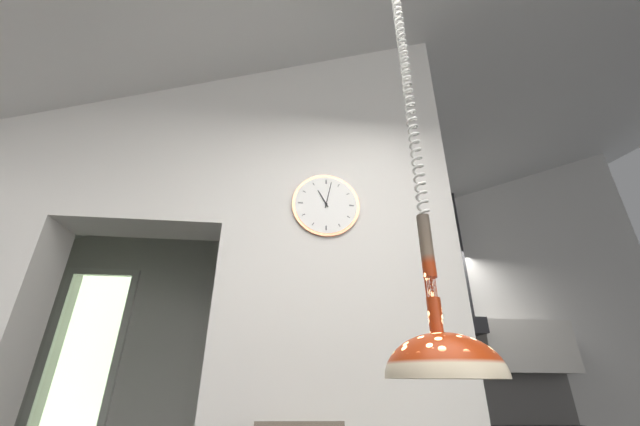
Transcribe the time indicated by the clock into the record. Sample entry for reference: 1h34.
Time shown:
11h02
